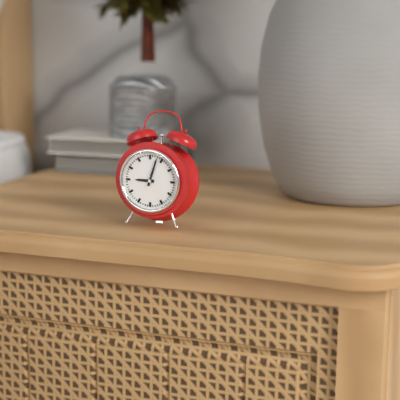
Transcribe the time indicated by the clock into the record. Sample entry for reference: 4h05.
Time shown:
9h03
